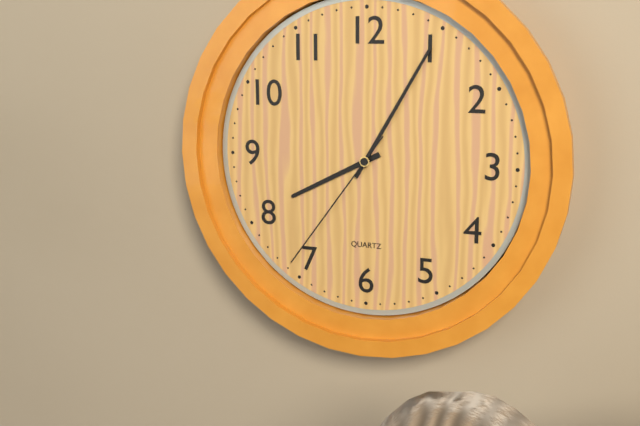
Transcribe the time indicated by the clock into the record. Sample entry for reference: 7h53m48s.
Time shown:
8h05m36s
